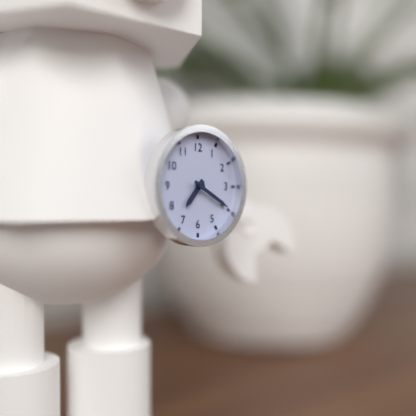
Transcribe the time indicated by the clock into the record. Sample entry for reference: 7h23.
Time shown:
7h20
